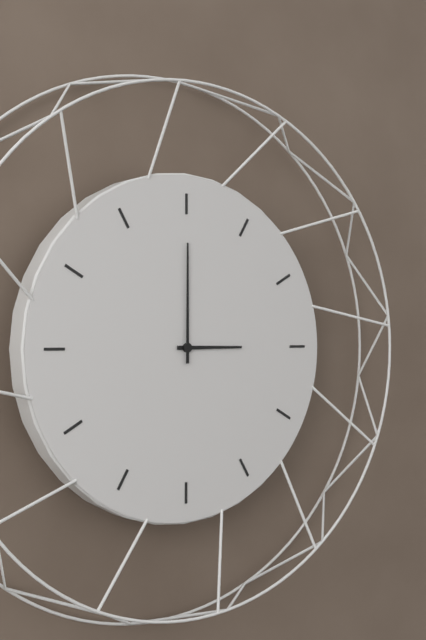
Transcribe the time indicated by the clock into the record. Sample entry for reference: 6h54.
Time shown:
3h00
